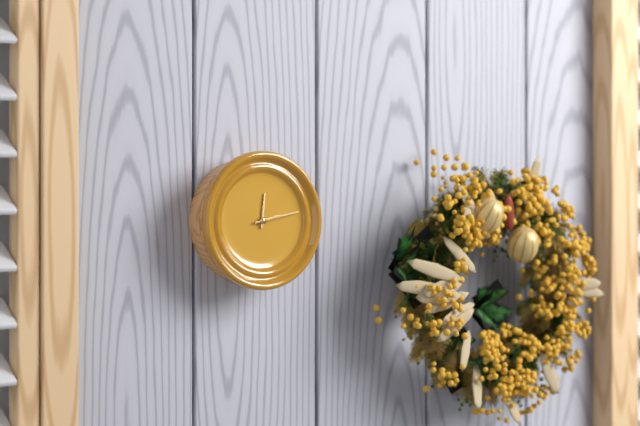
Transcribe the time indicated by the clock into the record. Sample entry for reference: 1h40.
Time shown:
12h13
